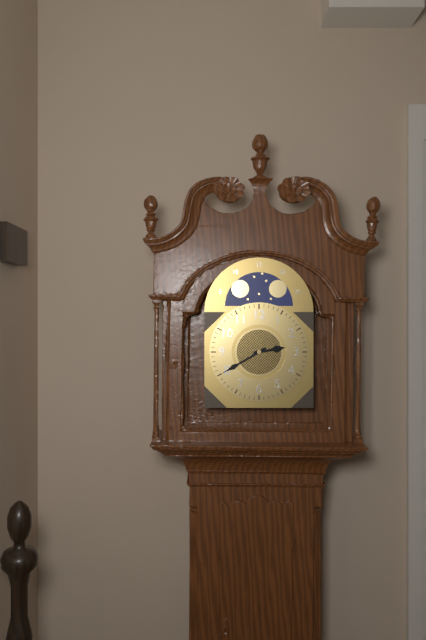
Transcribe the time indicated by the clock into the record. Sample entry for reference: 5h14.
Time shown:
2h40
